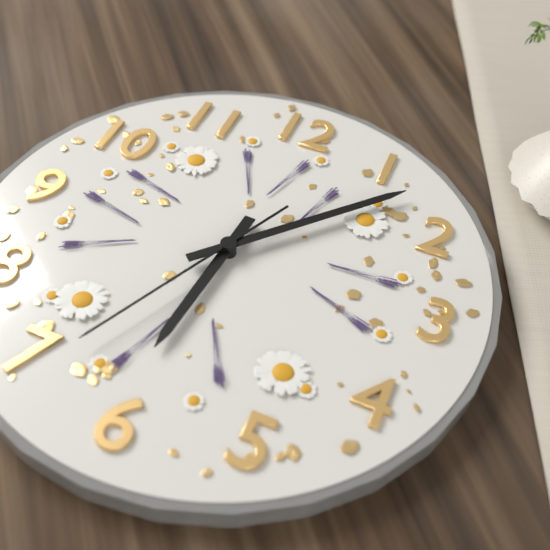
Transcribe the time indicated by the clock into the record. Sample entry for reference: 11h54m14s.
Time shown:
6h07m34s
